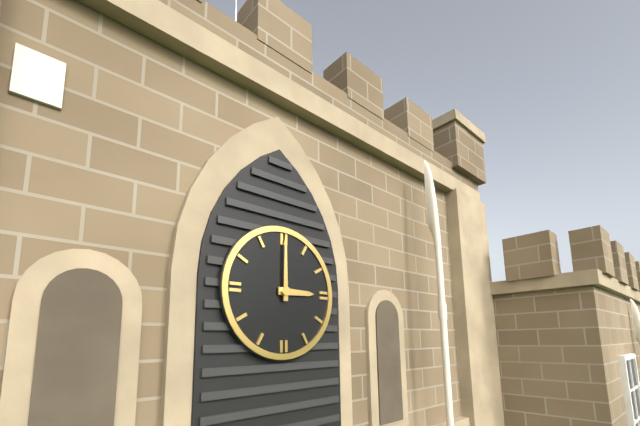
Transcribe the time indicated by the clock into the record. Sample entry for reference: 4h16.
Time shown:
3h00
